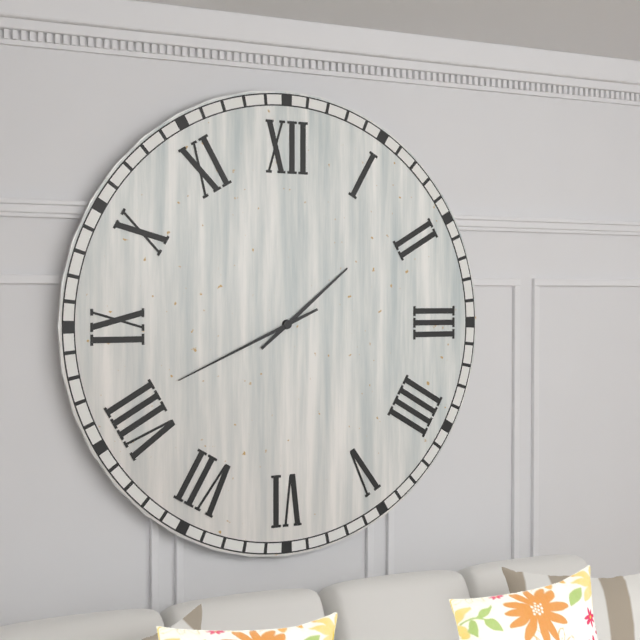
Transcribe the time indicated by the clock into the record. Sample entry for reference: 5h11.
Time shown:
1h41
